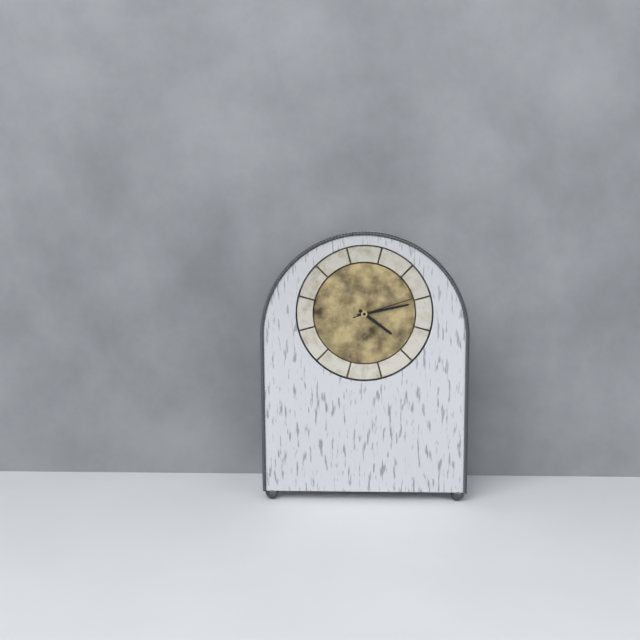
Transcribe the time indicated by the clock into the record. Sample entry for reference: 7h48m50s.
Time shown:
4h13m12s
